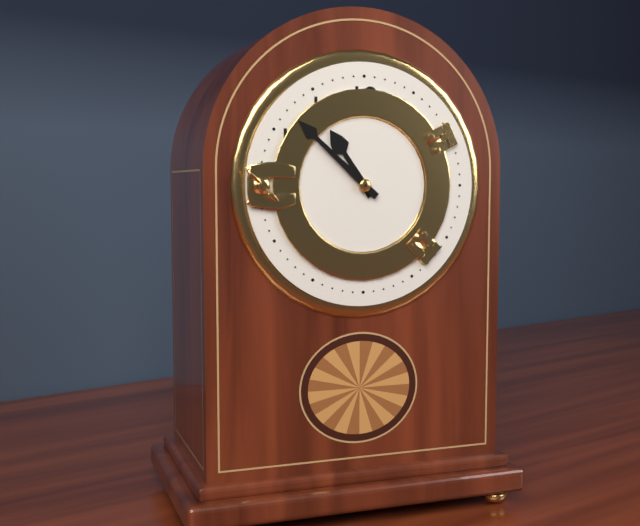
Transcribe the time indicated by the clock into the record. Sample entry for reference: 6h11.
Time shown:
10h52
